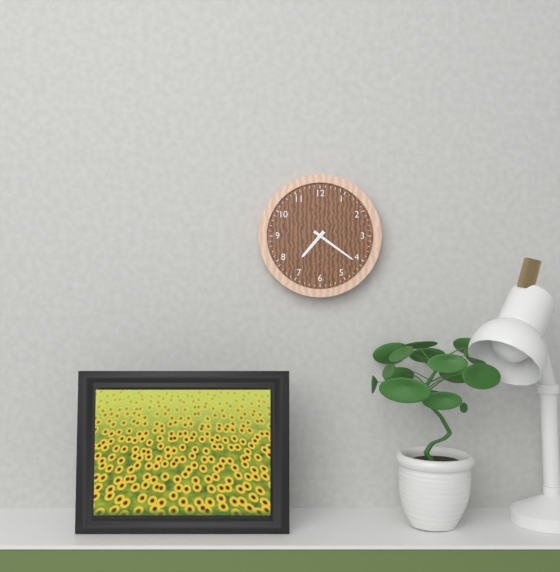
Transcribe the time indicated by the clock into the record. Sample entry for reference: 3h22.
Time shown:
7h21
